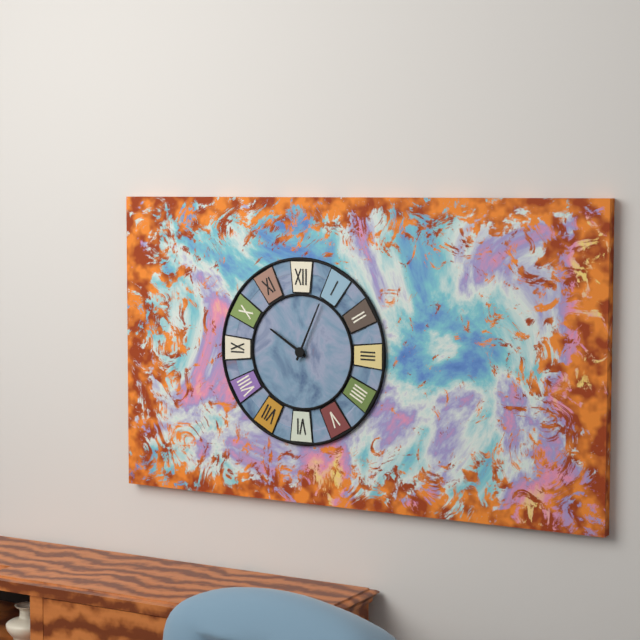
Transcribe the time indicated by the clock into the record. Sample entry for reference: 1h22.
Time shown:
10h04
